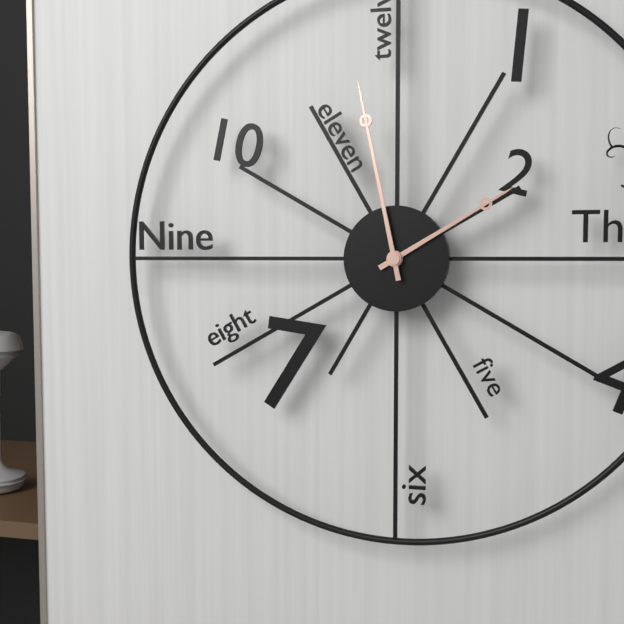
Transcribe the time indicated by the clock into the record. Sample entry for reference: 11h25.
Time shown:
1h58
